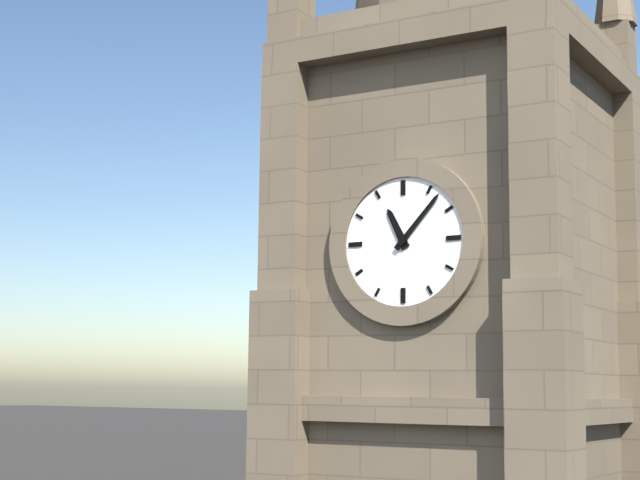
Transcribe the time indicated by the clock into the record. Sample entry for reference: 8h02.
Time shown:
11h07
